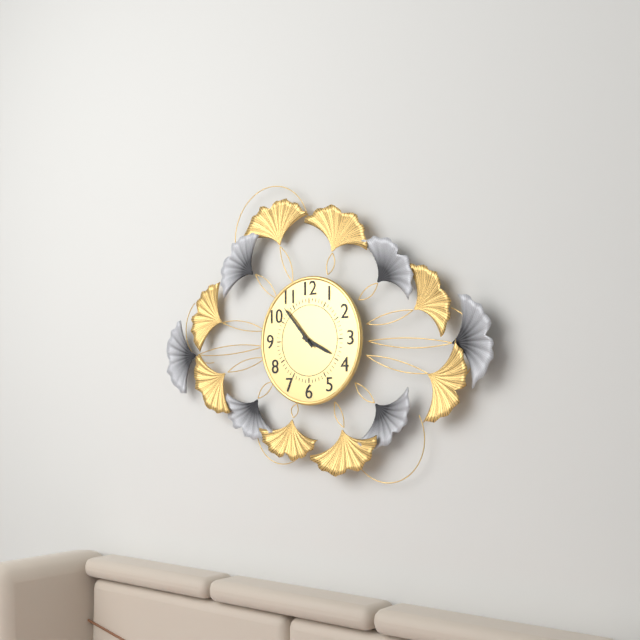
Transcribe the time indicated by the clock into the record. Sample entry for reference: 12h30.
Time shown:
3h53
